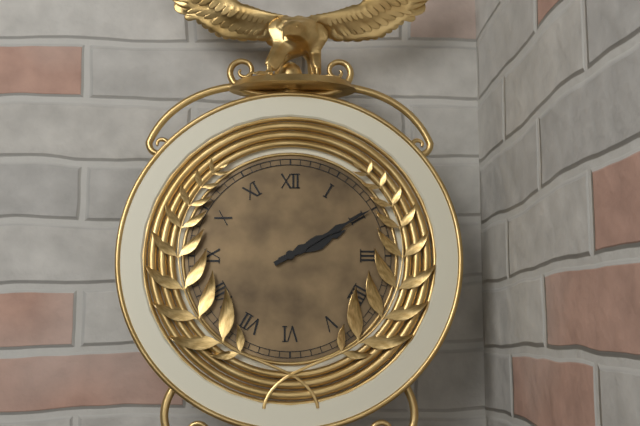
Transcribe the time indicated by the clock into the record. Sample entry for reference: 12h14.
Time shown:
2h10
